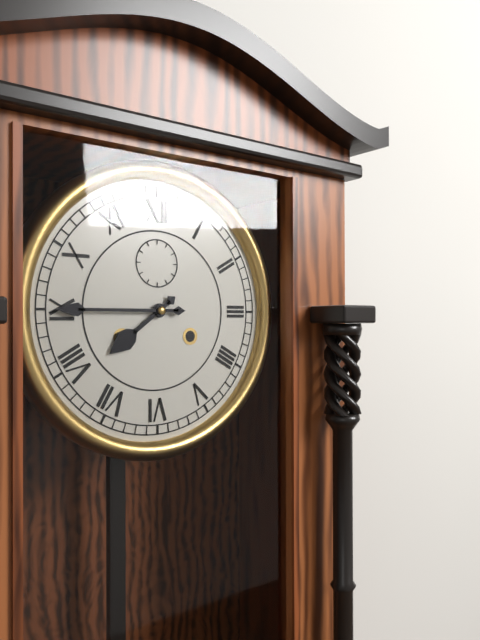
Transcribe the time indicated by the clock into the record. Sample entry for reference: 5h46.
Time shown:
7h45
